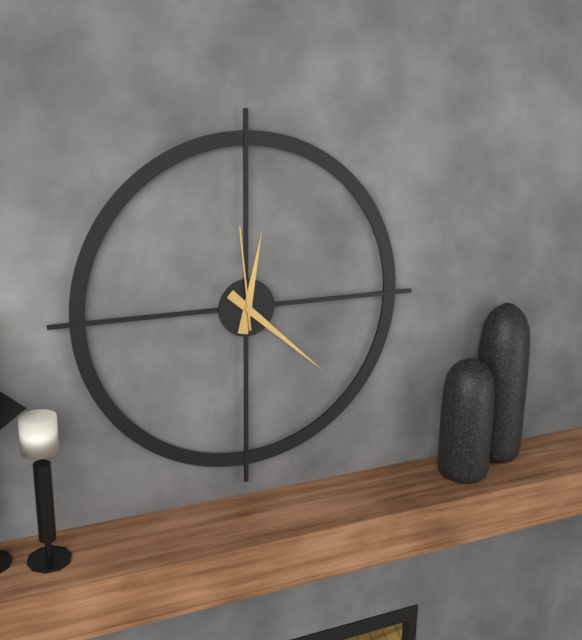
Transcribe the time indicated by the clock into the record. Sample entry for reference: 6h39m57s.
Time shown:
12h22m59s
